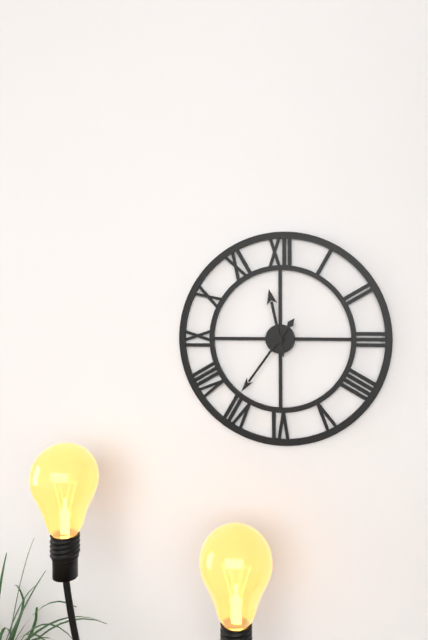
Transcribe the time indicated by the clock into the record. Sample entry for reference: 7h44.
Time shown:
11h36
